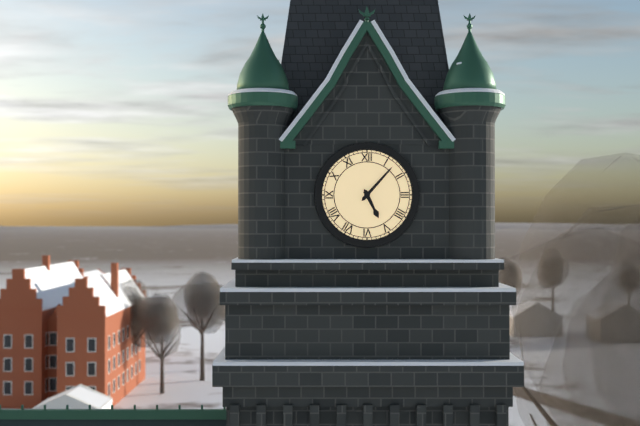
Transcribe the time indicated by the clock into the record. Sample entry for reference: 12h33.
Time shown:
5h07
